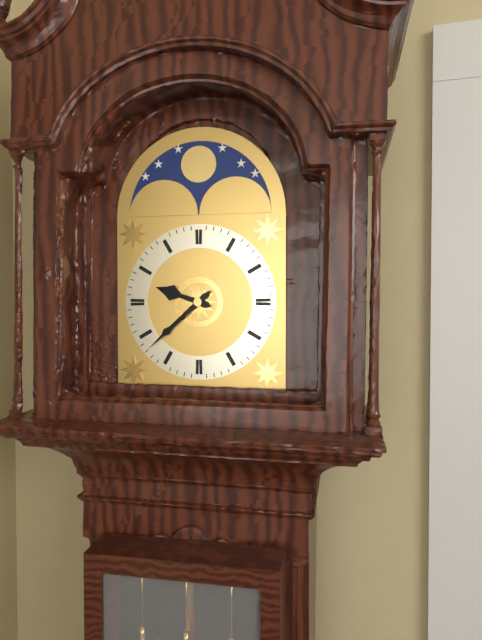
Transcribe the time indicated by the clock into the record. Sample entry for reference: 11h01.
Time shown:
9h38
